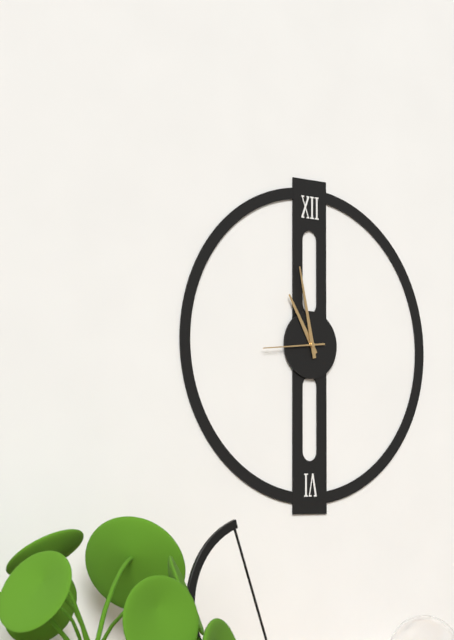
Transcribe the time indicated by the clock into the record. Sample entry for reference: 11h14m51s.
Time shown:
10h58m44s
